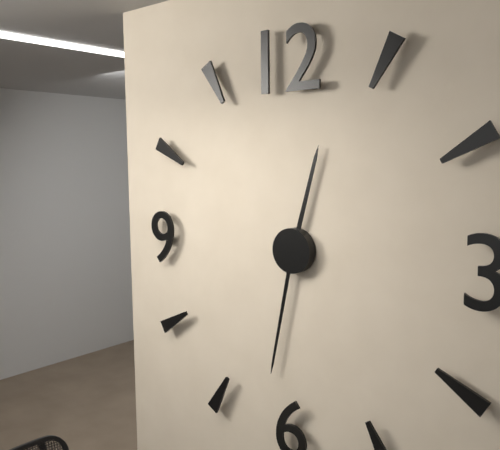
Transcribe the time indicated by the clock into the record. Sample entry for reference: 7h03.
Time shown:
12h32
